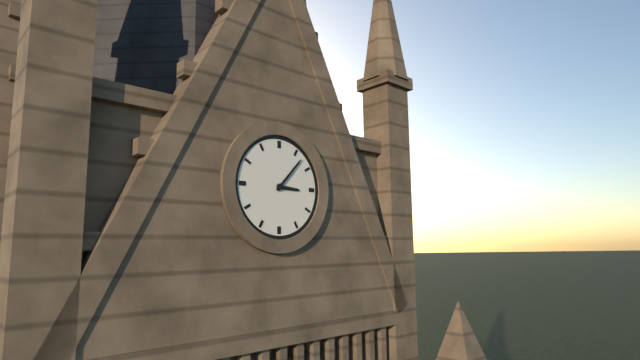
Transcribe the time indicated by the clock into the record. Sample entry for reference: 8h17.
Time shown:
3h07
